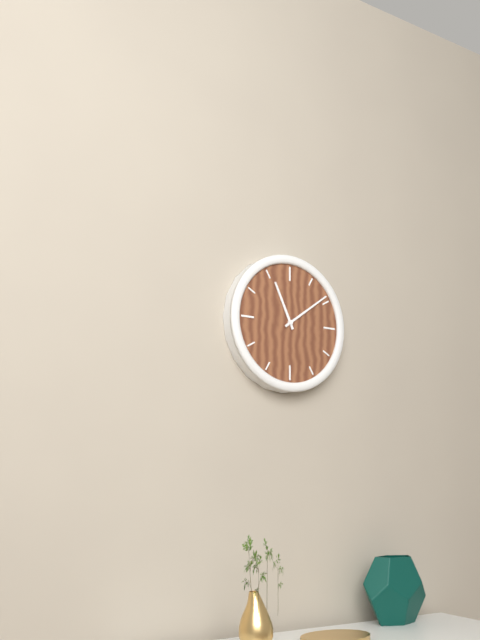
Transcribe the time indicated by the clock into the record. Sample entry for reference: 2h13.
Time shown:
11h09
